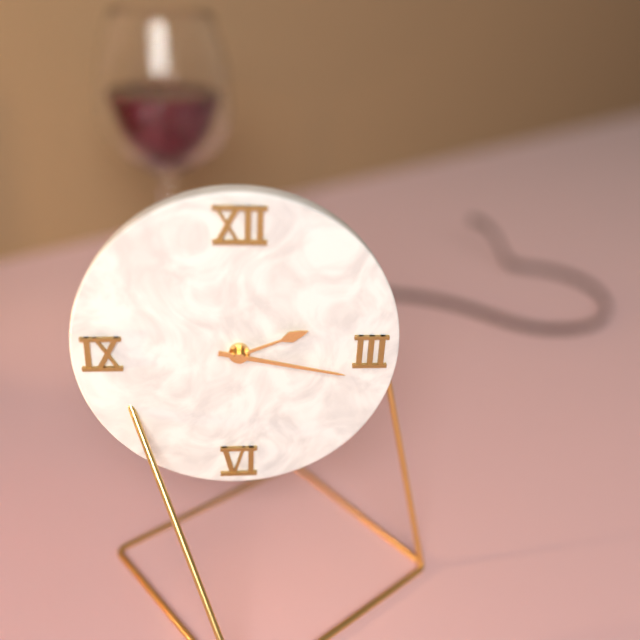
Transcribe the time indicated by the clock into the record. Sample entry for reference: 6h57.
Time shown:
2h17
